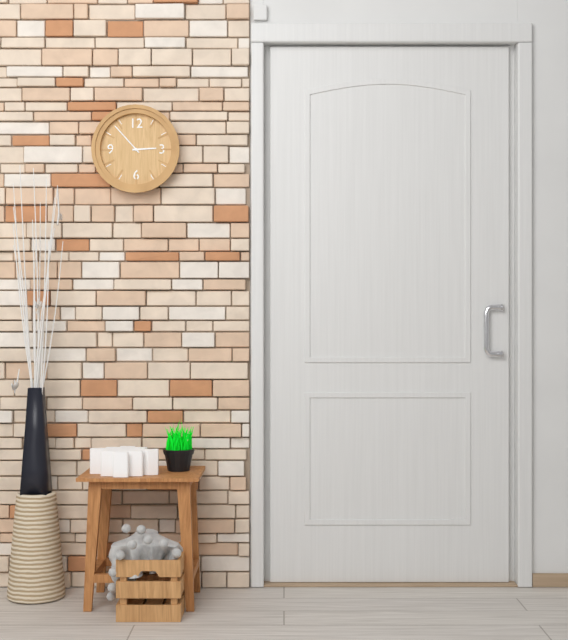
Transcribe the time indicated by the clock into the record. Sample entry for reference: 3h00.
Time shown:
2h53
